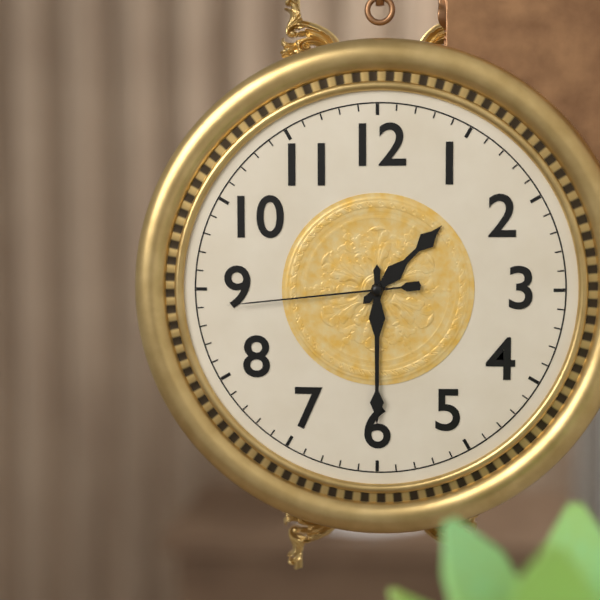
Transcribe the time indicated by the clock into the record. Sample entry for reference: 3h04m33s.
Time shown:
1h30m44s
